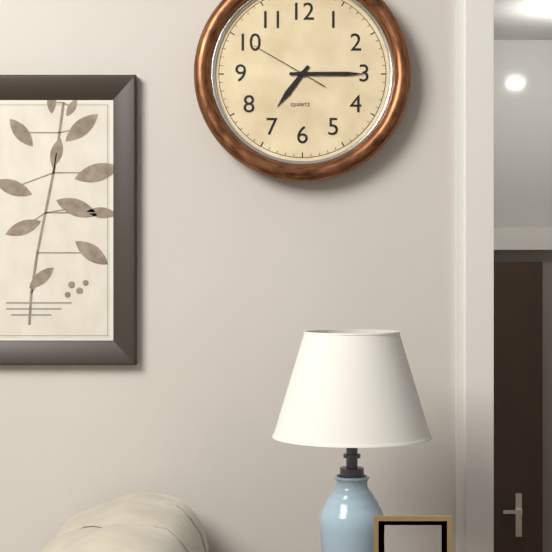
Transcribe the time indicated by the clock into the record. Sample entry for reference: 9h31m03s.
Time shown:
7h15m50s
